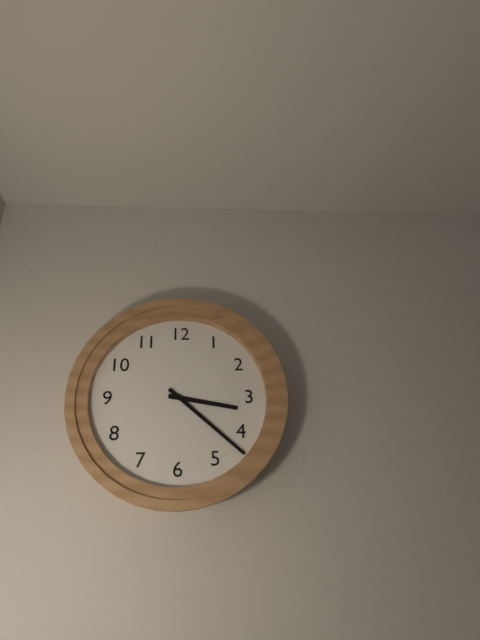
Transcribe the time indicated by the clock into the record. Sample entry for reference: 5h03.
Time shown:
3h22
